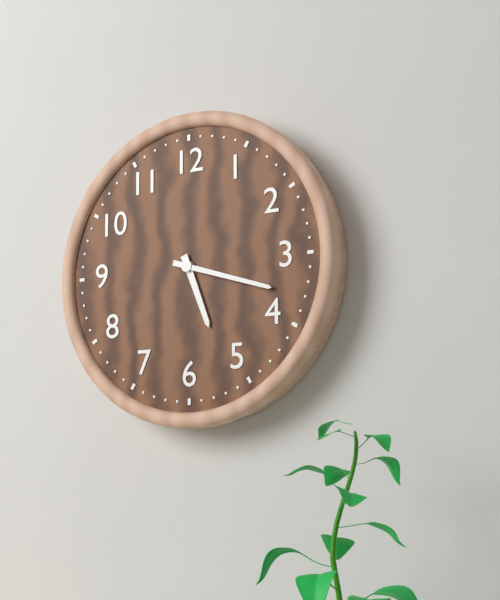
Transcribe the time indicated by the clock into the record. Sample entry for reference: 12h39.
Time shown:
5h18
